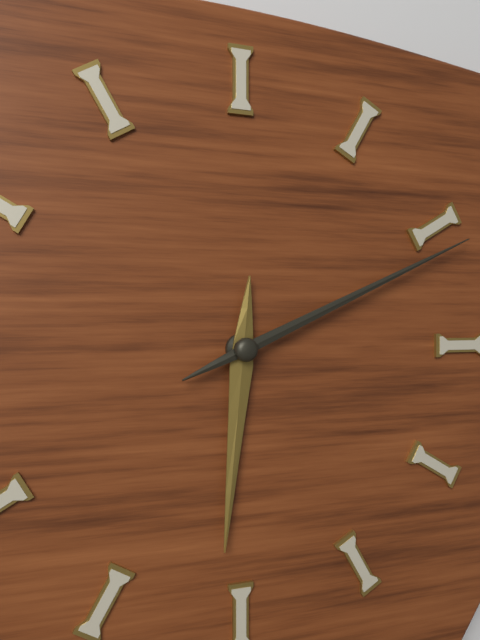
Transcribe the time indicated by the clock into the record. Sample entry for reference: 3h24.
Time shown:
6h11
